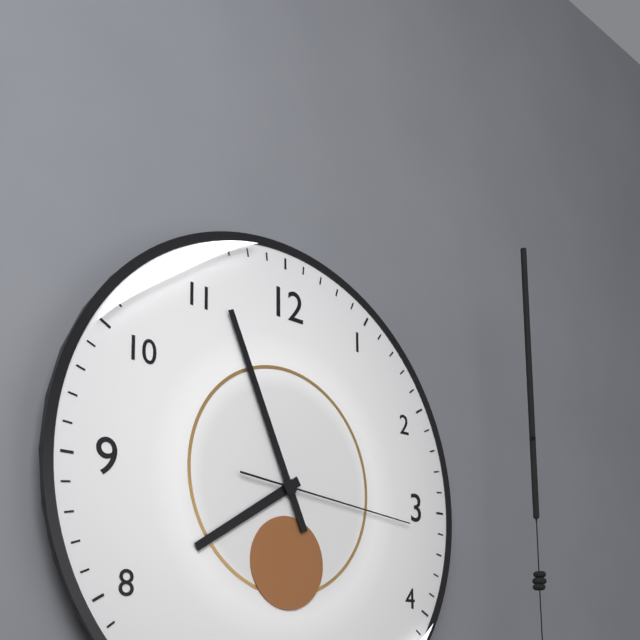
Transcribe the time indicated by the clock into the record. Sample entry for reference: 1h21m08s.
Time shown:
7h56m16s
